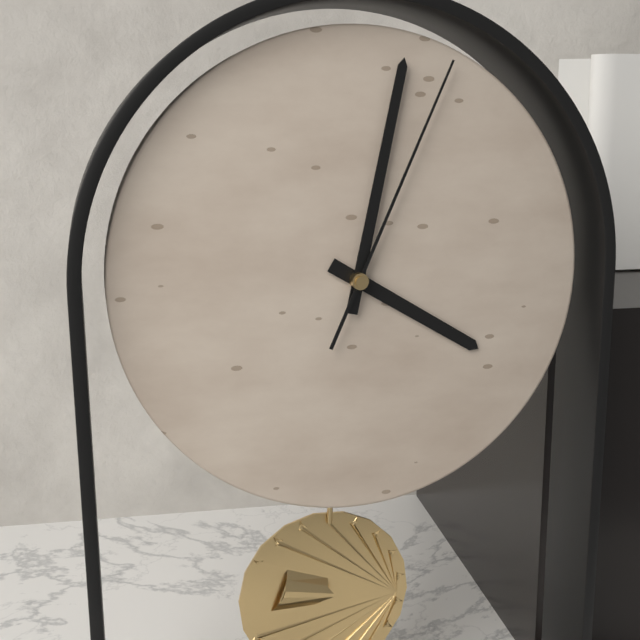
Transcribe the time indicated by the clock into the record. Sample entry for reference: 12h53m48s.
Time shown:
4h02m04s
